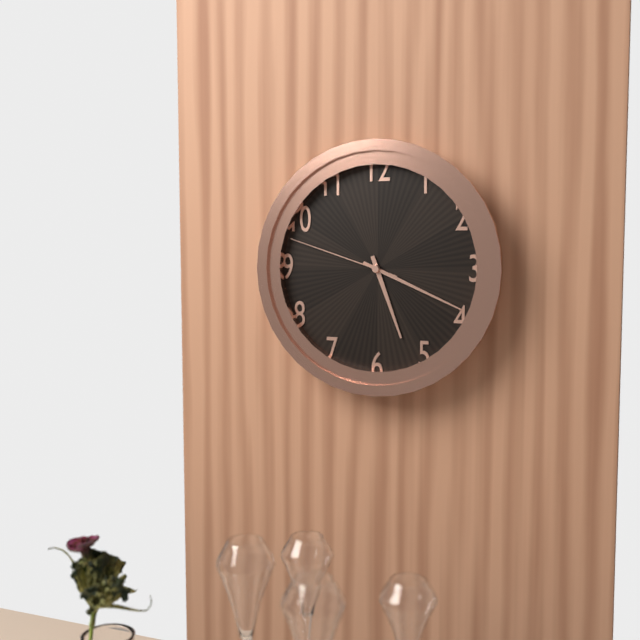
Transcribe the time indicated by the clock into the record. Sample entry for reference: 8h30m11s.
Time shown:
5h19m48s
